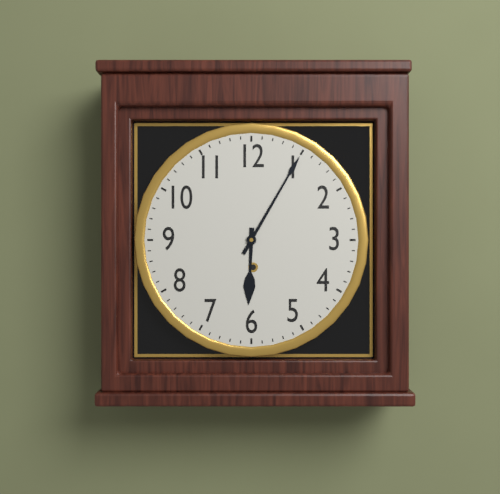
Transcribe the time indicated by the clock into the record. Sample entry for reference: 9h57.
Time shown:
6h05
